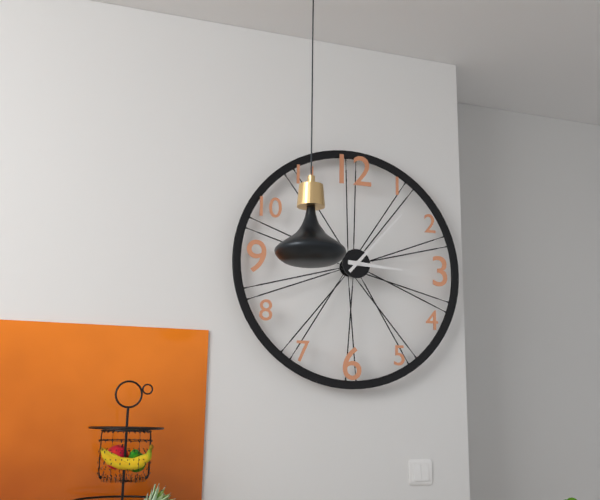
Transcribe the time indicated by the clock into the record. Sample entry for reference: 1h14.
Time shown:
3h07
